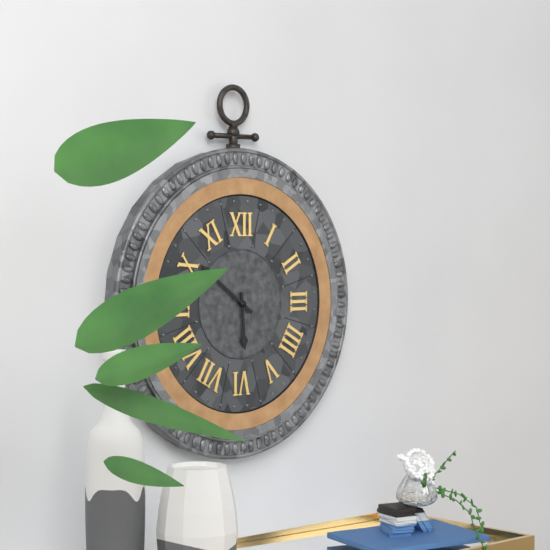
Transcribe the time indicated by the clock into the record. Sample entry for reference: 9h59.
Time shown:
5h51
